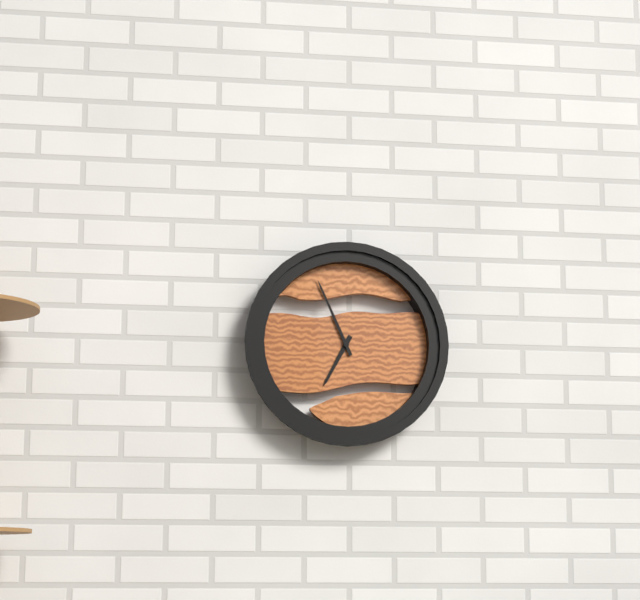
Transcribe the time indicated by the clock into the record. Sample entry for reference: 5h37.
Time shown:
6h56
